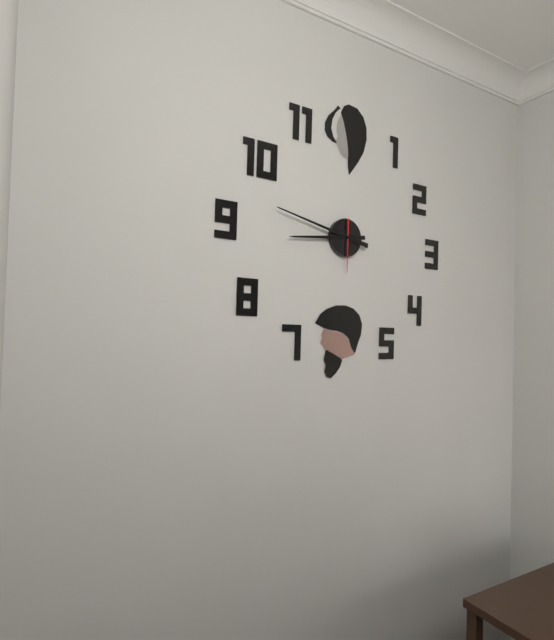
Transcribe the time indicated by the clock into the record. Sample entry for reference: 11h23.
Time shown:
8h47
